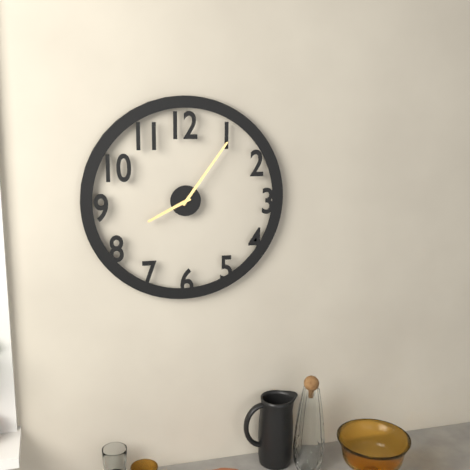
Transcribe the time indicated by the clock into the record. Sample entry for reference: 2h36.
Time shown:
8h06
